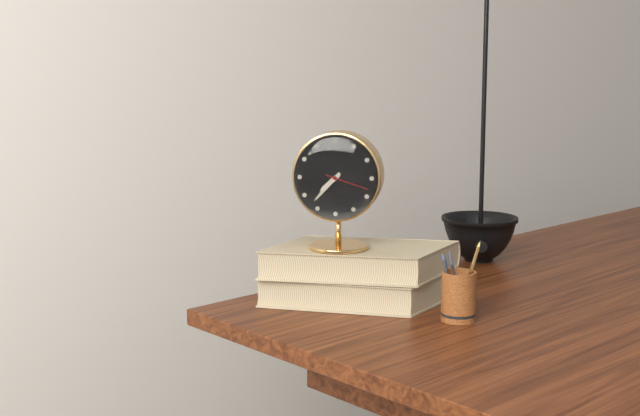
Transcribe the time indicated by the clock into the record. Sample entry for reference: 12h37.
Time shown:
7h37
